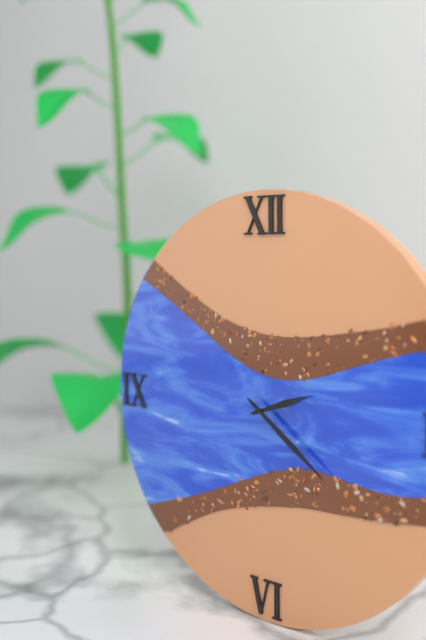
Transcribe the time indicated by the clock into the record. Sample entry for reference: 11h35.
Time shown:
2h21
